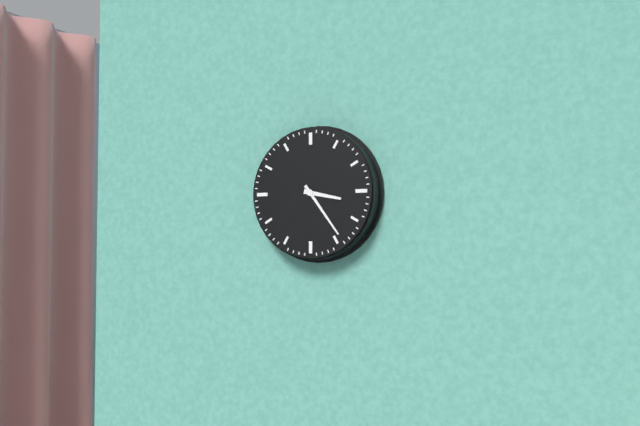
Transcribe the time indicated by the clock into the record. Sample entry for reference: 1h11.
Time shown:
3h24
